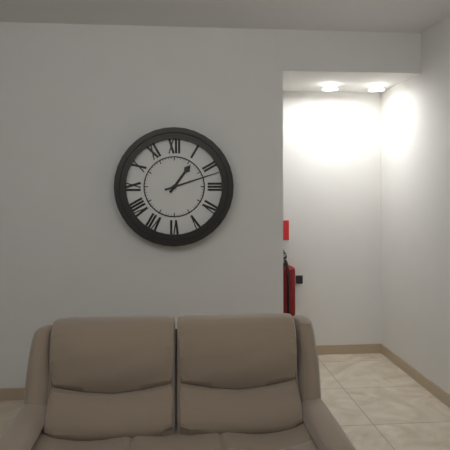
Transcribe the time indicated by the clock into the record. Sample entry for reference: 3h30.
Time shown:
1h12
